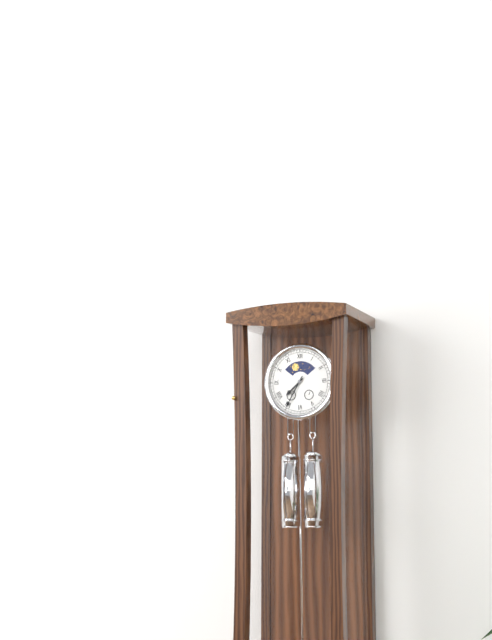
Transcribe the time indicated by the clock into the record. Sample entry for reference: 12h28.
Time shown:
7h35
